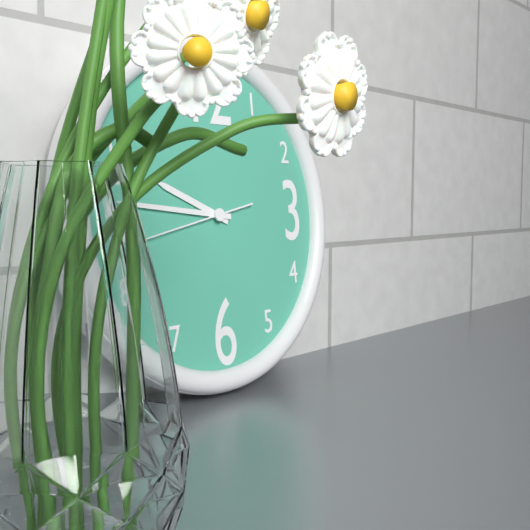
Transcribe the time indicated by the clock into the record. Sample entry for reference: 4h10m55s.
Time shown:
9h46m43s
